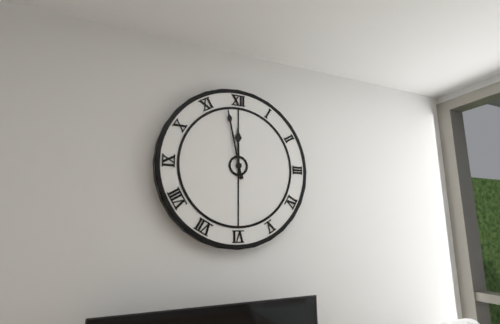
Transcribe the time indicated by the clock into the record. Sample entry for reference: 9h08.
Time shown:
11h58
